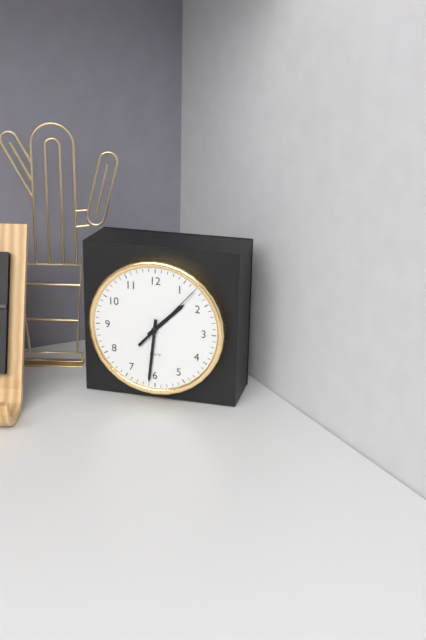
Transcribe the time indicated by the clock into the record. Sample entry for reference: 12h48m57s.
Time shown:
1h31m07s
